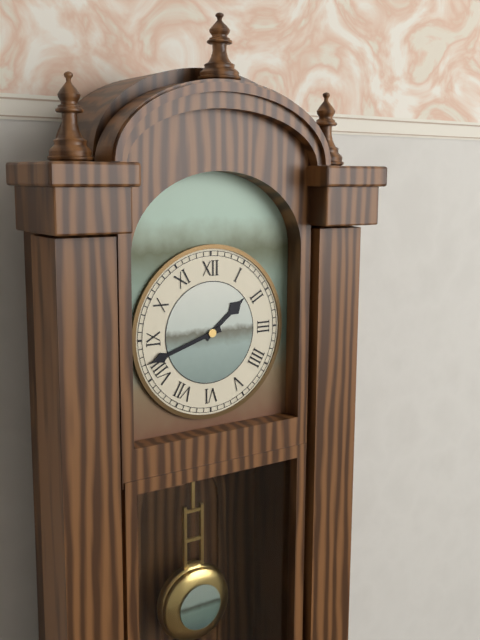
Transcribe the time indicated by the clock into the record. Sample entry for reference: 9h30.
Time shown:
1h42
